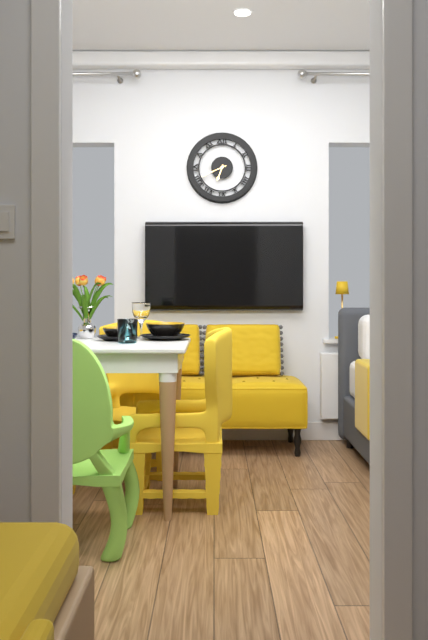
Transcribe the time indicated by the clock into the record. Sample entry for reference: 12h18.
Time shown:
6h41
